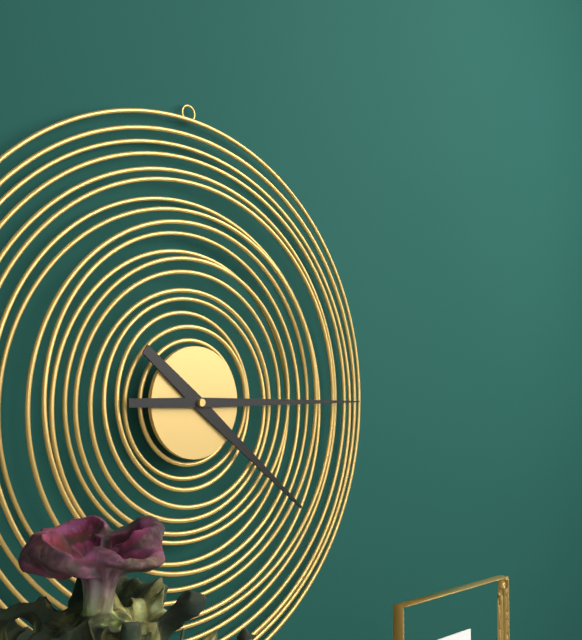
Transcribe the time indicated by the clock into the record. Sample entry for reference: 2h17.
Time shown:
4h15
